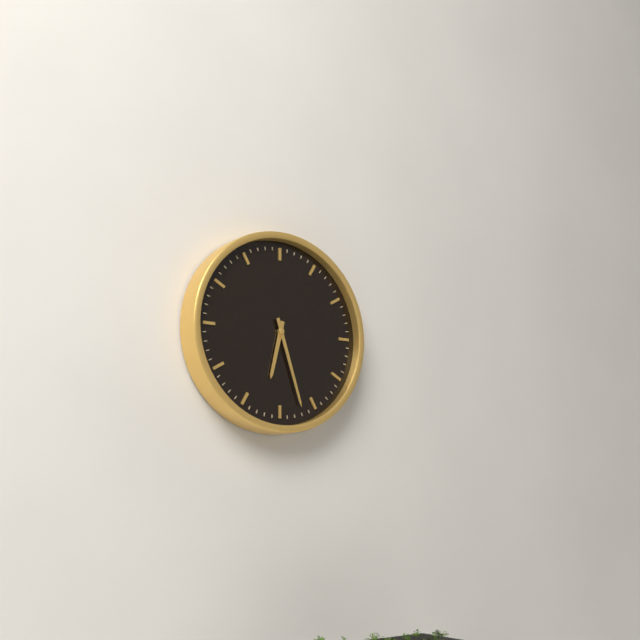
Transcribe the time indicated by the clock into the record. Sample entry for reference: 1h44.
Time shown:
6h27
